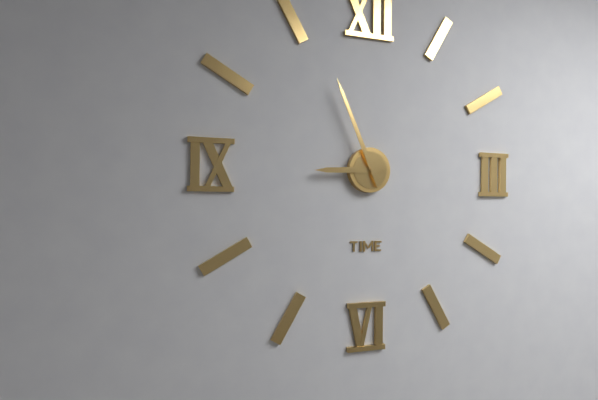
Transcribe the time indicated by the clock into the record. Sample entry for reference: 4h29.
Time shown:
8h56
